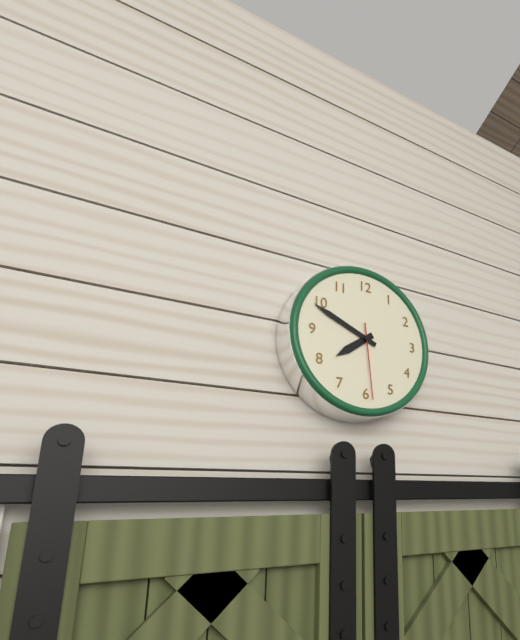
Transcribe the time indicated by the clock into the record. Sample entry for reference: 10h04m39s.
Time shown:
7h49m29s
